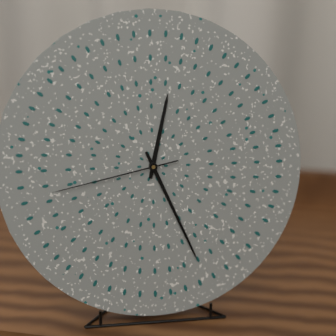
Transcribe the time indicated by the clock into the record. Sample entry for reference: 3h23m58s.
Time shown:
12h26m43s
